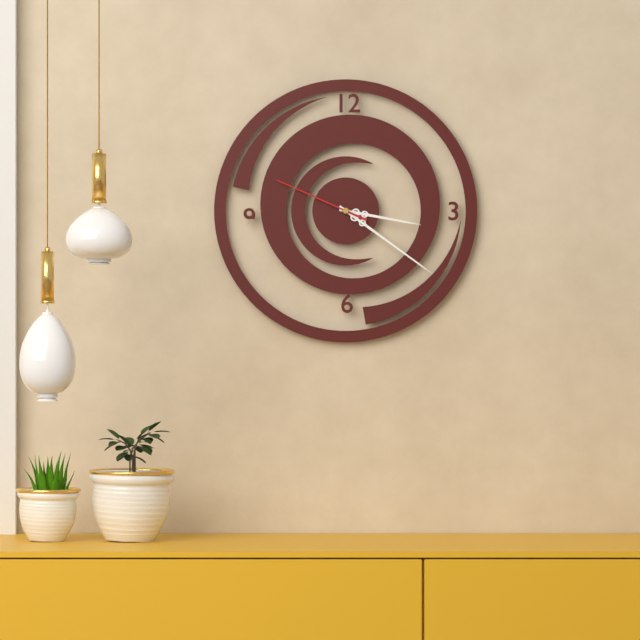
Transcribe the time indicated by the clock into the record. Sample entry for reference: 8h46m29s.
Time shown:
3h21m49s
